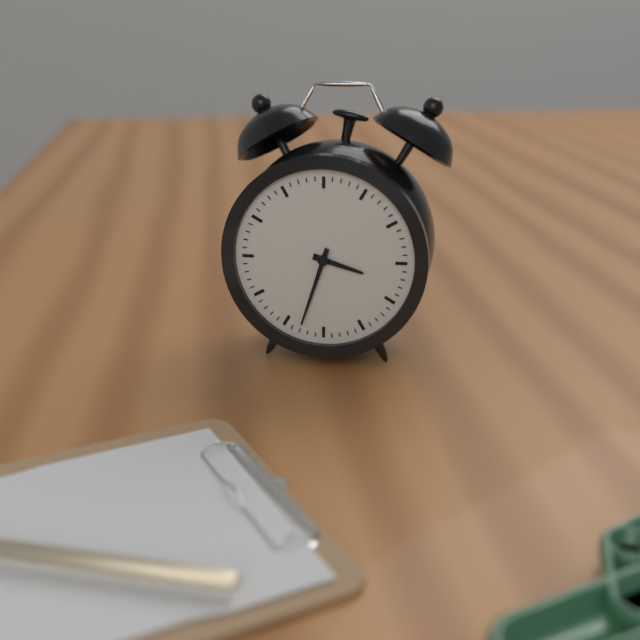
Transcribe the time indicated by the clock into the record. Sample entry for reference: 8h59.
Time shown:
3h33
